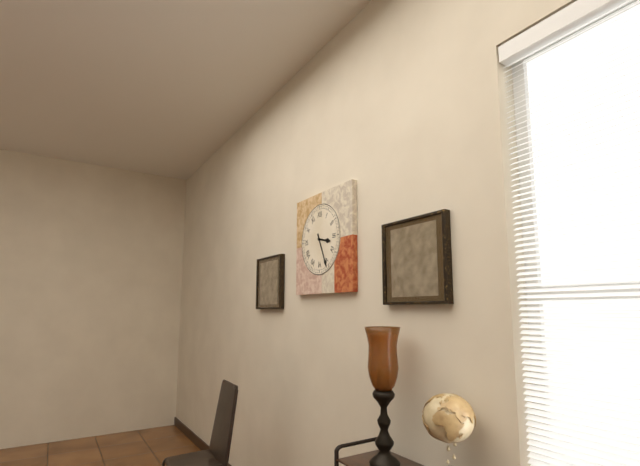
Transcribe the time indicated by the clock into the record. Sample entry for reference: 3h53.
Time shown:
3h26
